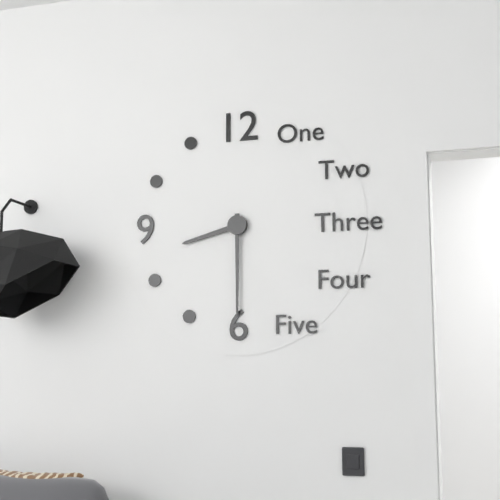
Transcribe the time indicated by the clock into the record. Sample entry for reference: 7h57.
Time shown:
8h30
